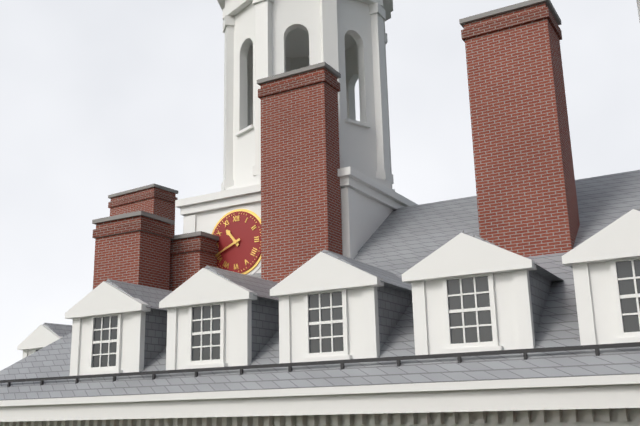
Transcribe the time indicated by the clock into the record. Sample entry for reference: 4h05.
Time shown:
10h41
